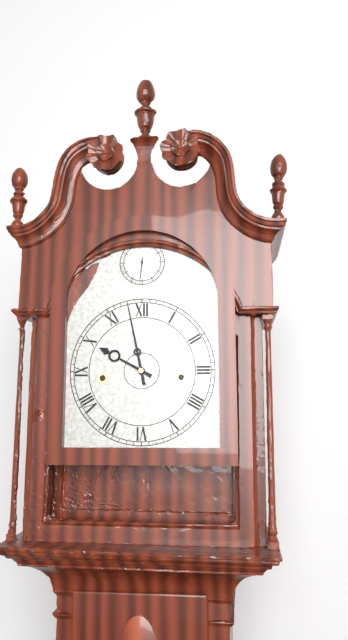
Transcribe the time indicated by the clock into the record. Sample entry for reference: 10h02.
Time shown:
9h58
